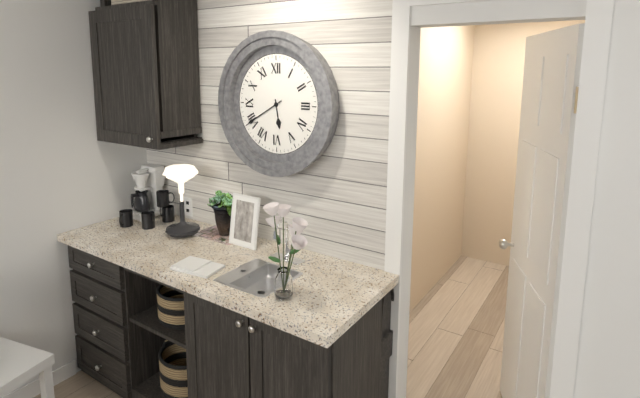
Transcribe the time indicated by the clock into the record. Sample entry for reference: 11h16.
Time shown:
5h40
